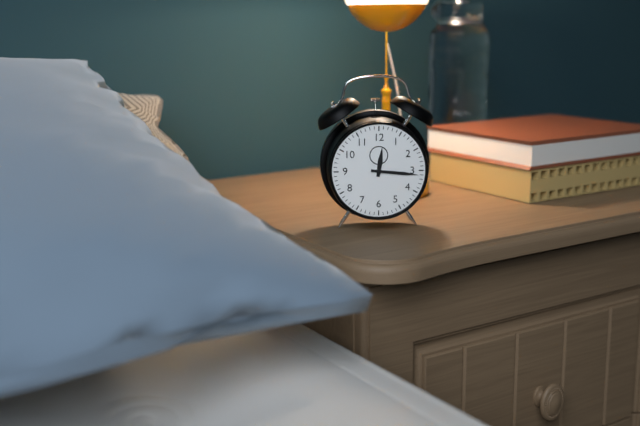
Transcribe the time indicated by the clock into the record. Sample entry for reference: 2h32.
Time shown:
12h16
